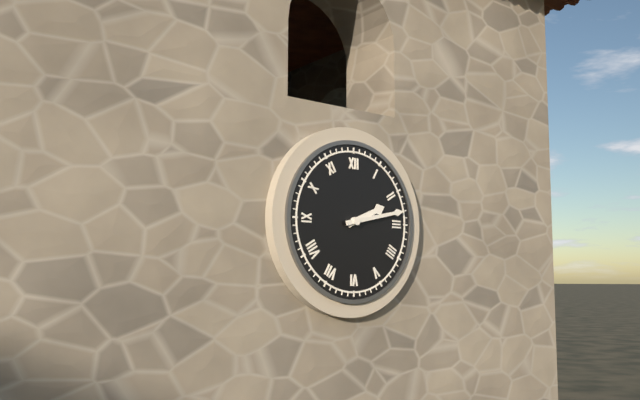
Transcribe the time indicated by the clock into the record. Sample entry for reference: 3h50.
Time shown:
2h13
